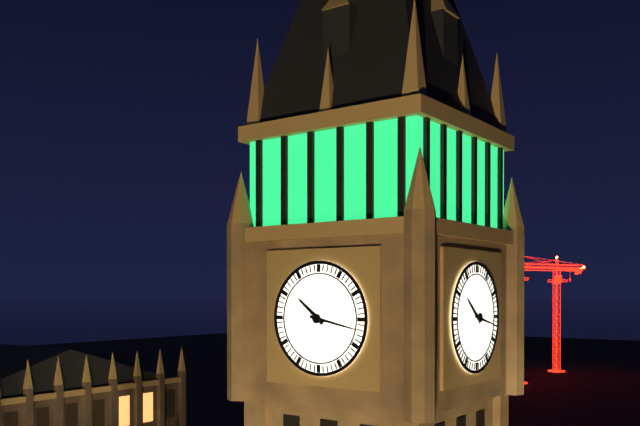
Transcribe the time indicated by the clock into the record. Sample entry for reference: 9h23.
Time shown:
10h17
